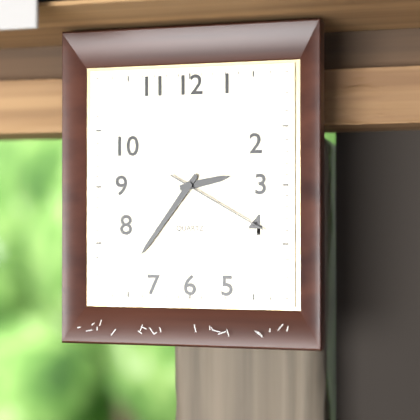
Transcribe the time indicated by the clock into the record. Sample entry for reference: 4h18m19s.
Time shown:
2h36m20s
